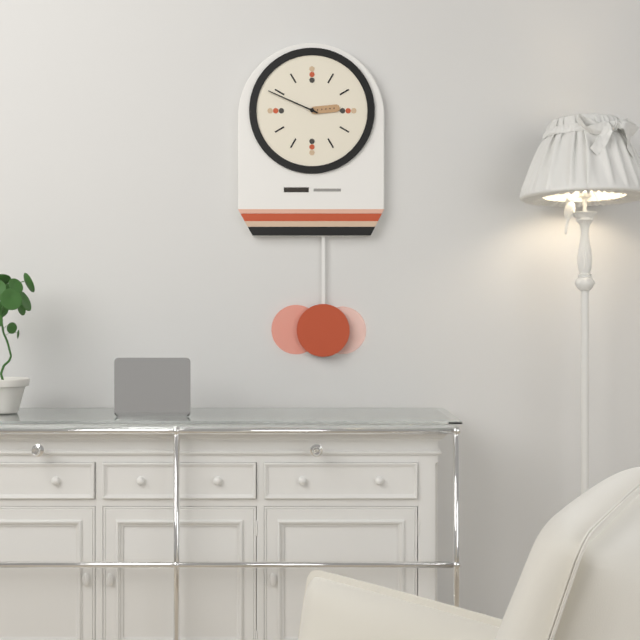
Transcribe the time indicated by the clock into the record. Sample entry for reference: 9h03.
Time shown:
2h49
